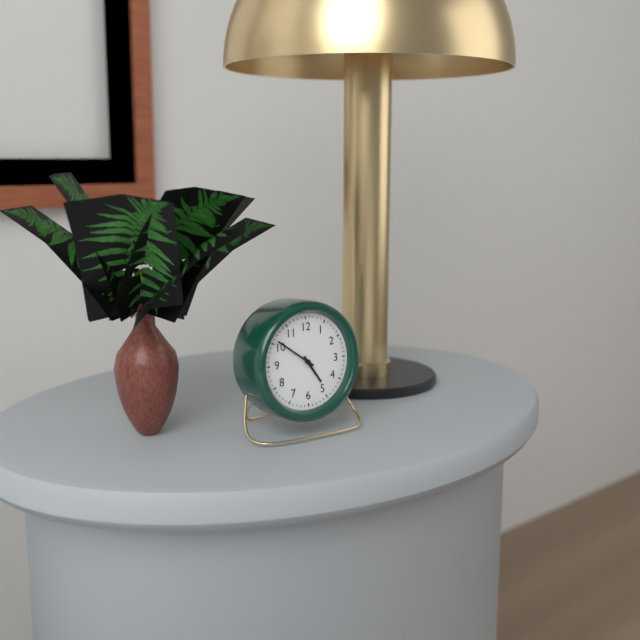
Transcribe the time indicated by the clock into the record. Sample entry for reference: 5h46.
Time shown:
4h51
